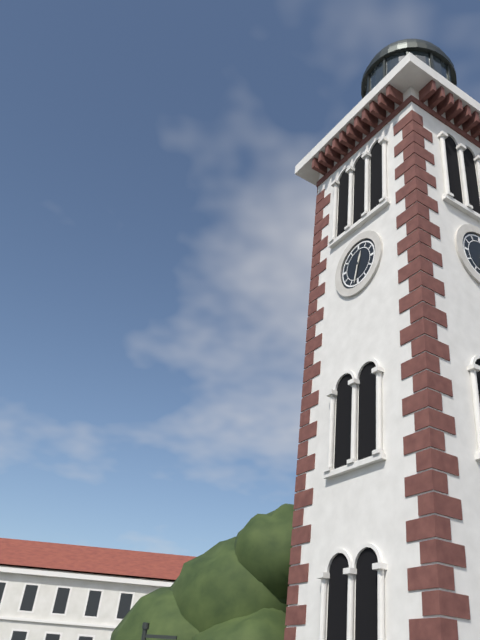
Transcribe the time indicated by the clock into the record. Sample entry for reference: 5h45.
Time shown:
12h32
